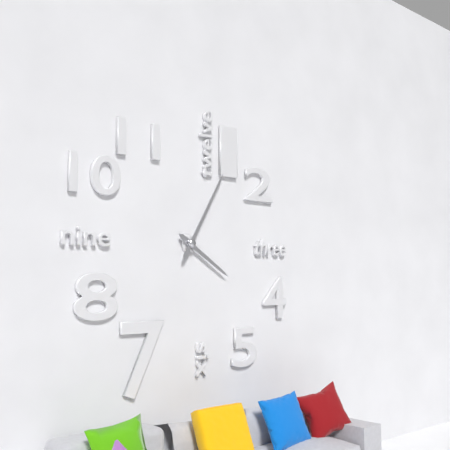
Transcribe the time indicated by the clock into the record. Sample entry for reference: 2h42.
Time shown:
4h05
